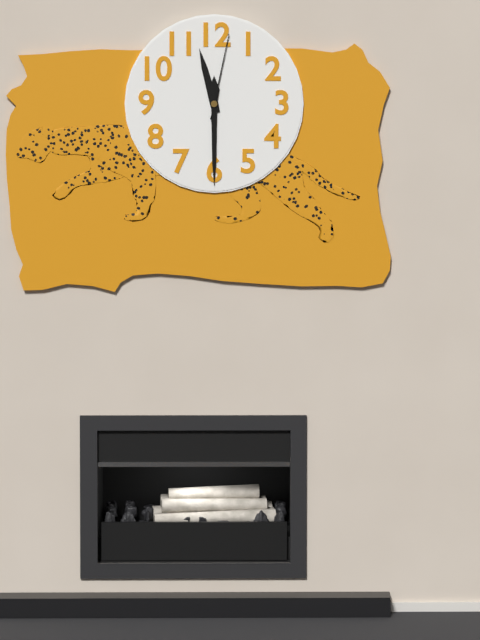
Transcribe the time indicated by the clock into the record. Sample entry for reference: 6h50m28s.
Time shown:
11h30m02s
